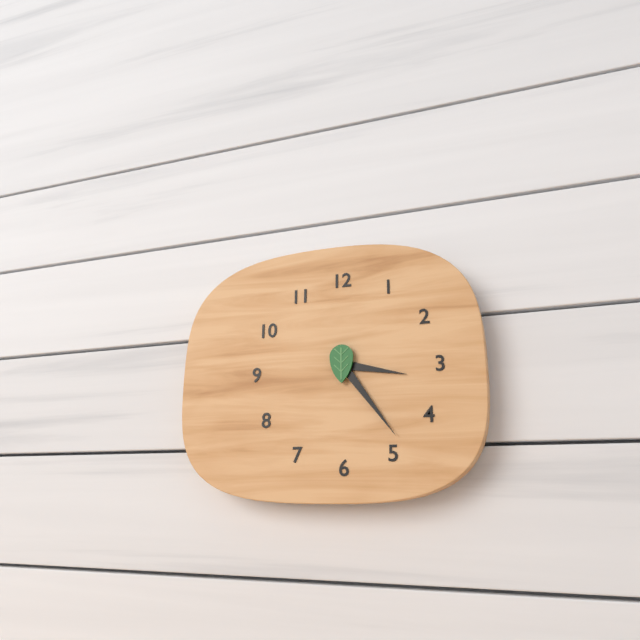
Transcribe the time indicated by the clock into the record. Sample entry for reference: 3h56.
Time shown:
3h24
